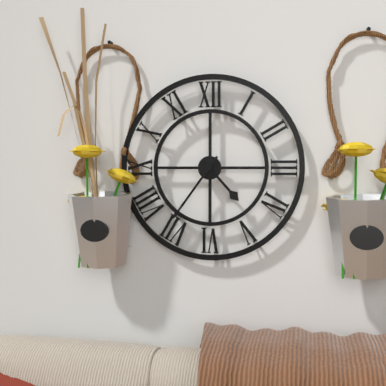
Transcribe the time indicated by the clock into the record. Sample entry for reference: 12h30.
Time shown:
4h36
